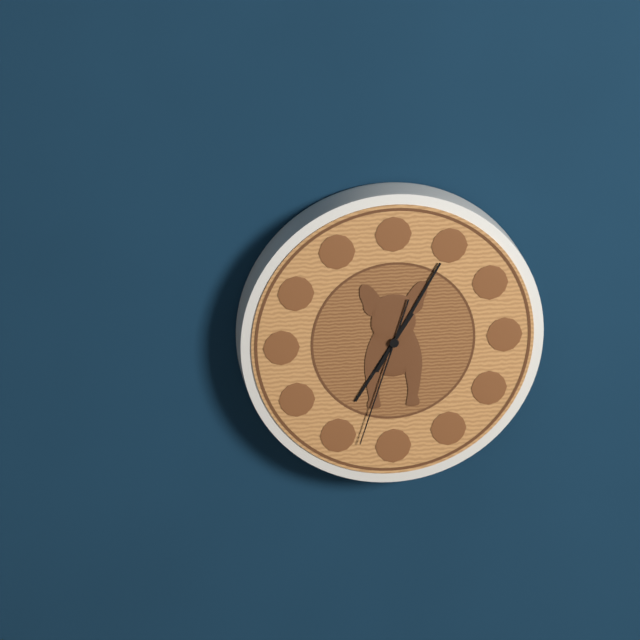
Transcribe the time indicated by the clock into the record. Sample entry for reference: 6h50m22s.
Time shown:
7h05m33s
